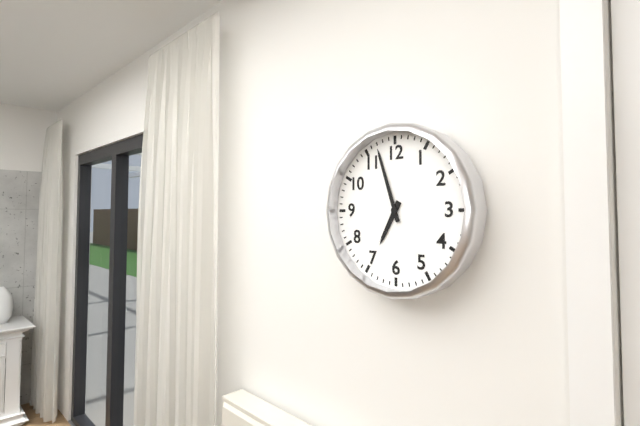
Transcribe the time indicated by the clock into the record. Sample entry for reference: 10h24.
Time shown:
6h57
